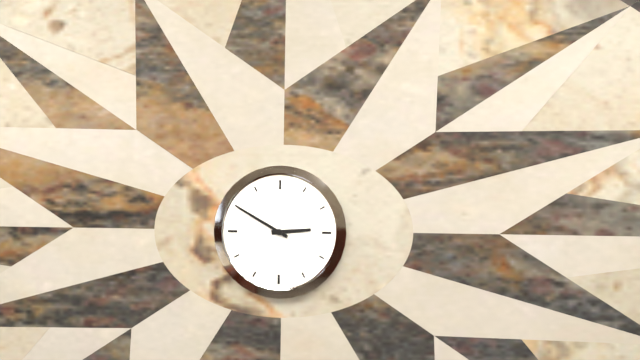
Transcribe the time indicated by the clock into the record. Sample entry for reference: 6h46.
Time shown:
2h50
